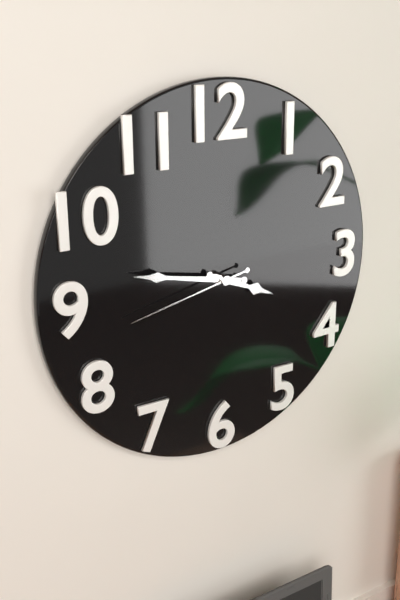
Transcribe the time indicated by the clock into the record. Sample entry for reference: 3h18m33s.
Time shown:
3h47m43s
